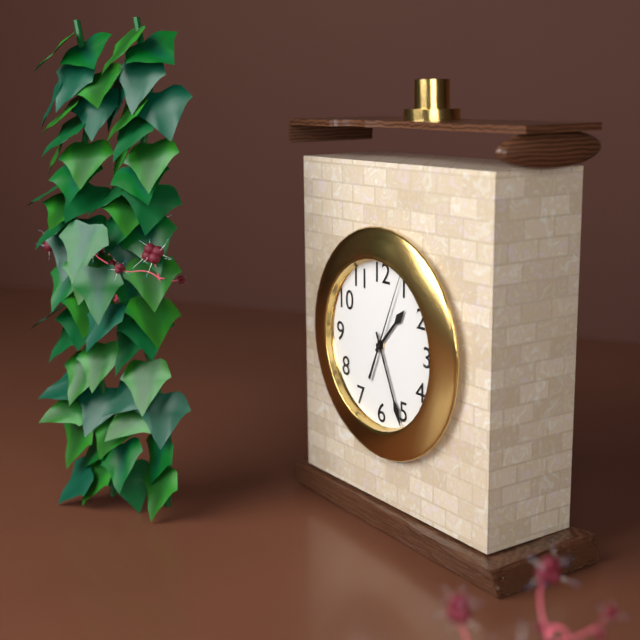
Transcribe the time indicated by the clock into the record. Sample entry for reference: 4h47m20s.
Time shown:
1h26m04s
